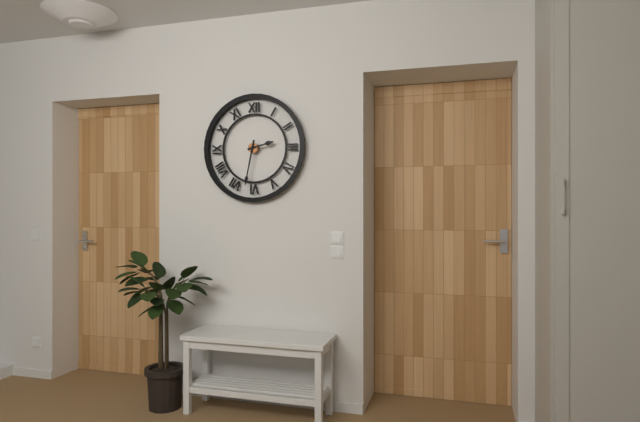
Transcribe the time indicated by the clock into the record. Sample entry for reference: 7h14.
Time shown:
2h32
